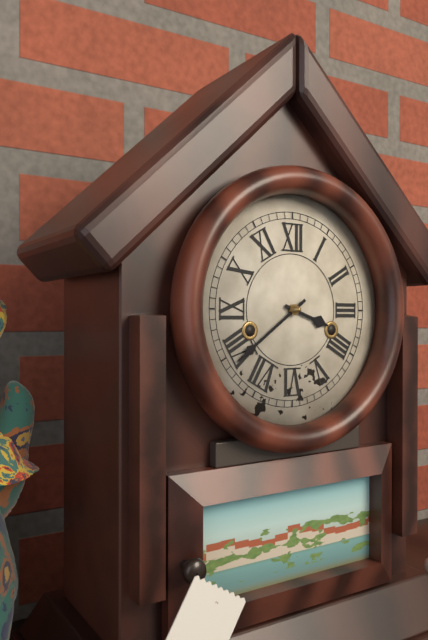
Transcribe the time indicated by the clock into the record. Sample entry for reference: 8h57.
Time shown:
3h39
